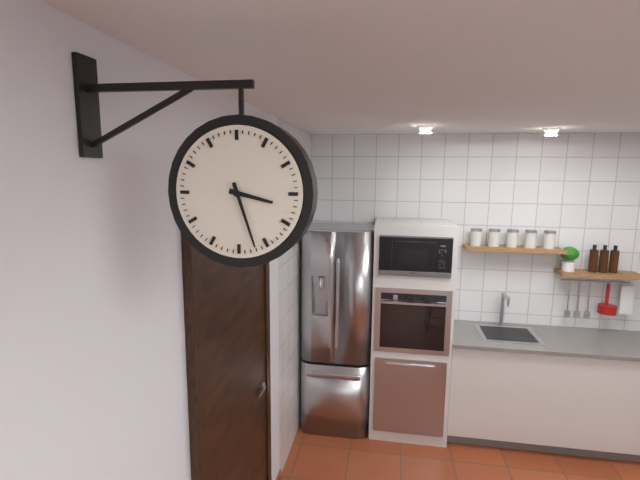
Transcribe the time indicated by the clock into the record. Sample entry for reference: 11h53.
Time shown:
3h27
